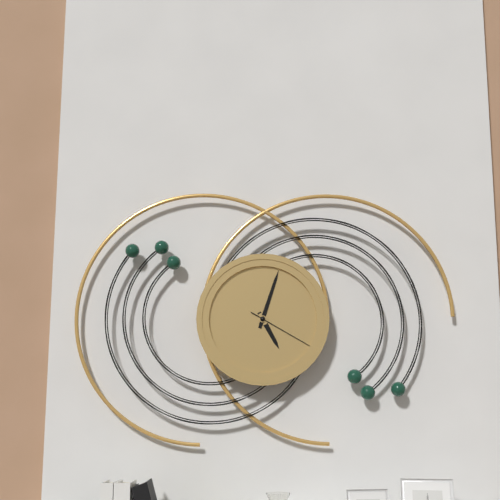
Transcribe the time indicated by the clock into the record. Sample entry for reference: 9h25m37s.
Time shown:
5h03m20s
